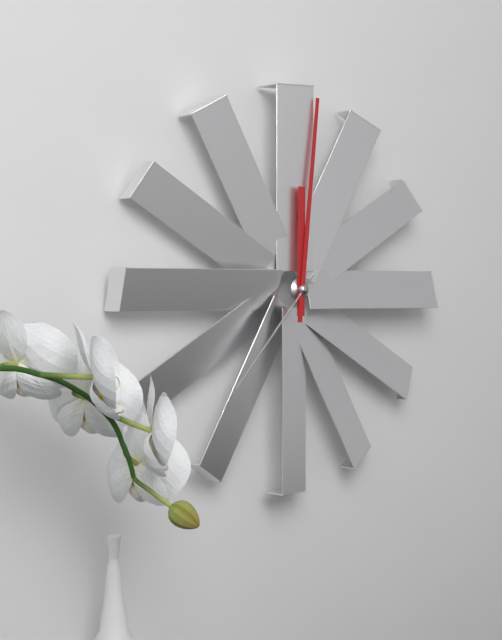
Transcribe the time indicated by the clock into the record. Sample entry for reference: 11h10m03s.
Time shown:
12h01m37s
